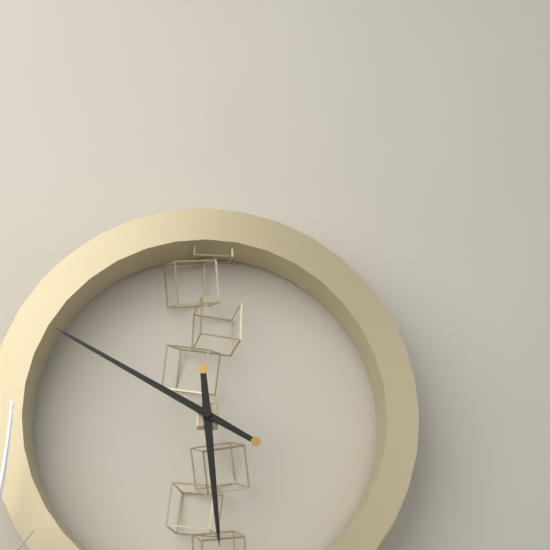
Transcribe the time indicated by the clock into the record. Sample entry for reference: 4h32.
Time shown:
5h50
